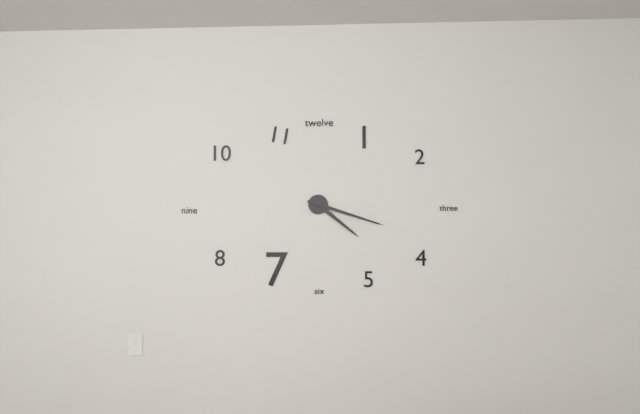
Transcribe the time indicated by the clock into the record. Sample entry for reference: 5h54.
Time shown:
4h18
